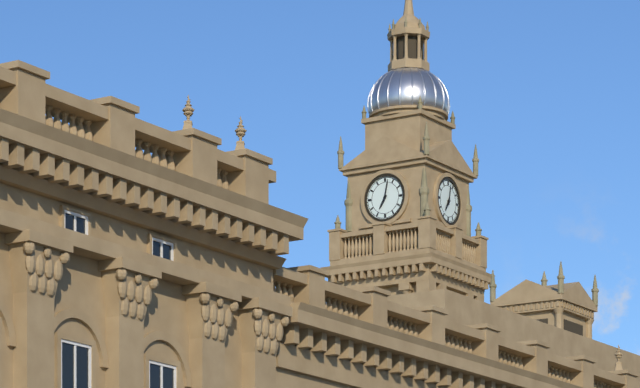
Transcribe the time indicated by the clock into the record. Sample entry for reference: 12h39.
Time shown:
7h02
